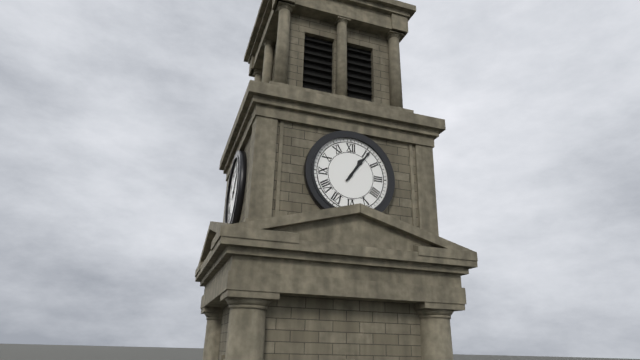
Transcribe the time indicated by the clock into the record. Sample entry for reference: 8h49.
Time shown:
1h06
